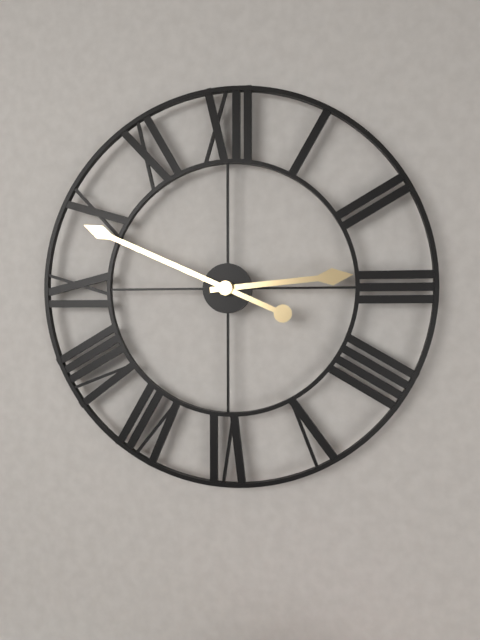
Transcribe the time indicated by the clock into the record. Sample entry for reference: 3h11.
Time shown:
2h49
